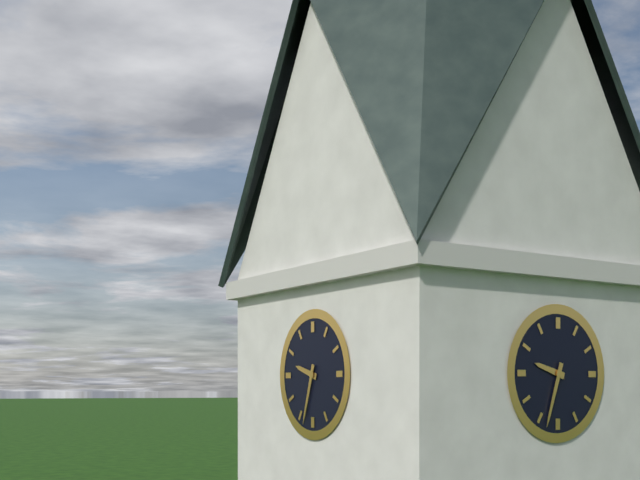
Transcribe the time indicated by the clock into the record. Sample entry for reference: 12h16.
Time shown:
9h33
